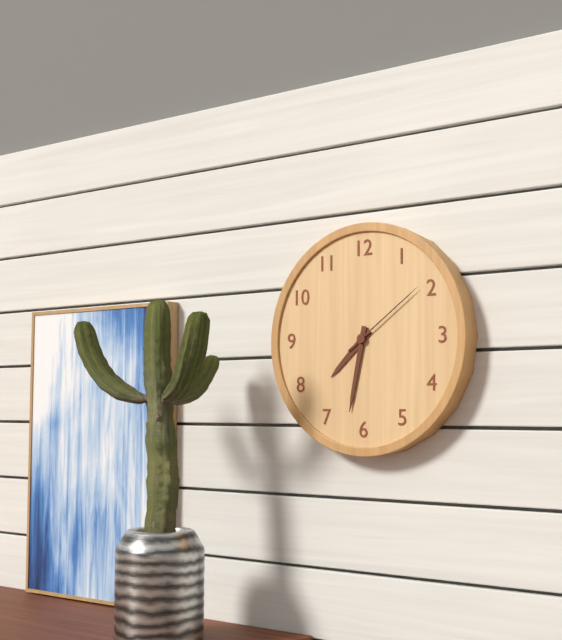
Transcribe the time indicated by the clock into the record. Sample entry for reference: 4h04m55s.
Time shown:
7h32m09s
